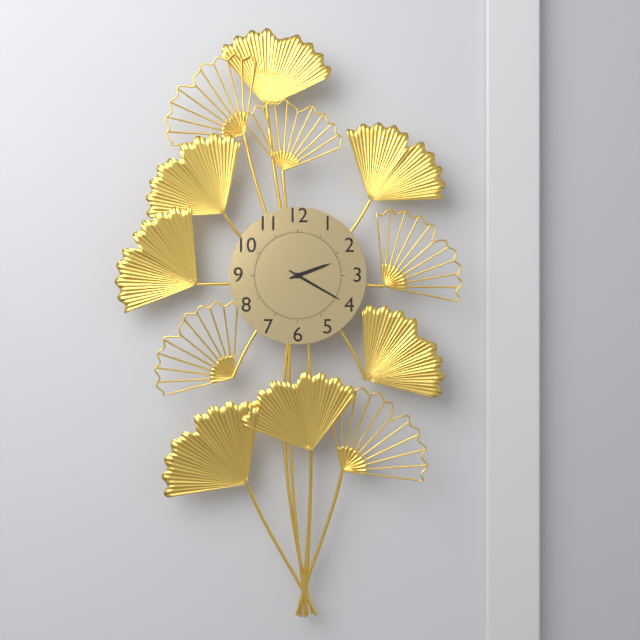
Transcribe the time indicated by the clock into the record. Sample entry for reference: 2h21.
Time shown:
2h20
